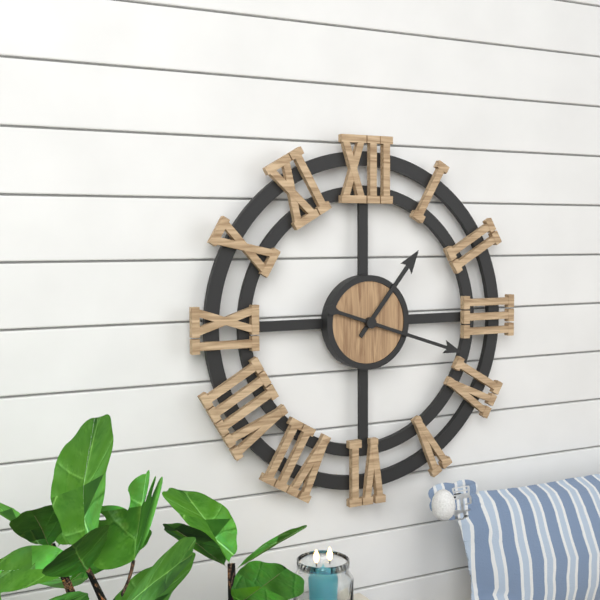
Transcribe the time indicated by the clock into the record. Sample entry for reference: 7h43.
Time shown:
1h18
